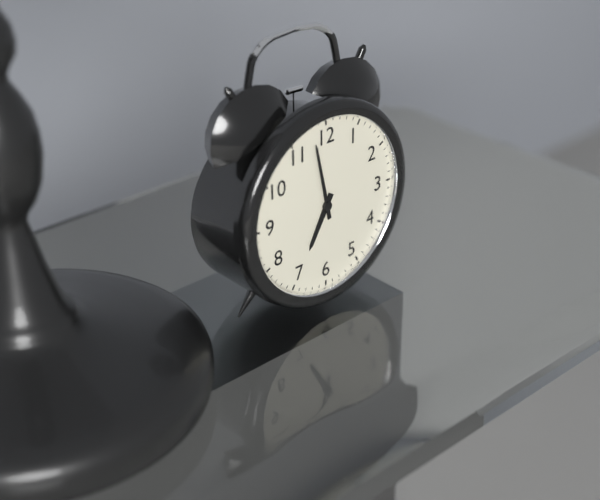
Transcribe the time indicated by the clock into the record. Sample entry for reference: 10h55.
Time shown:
6h58
